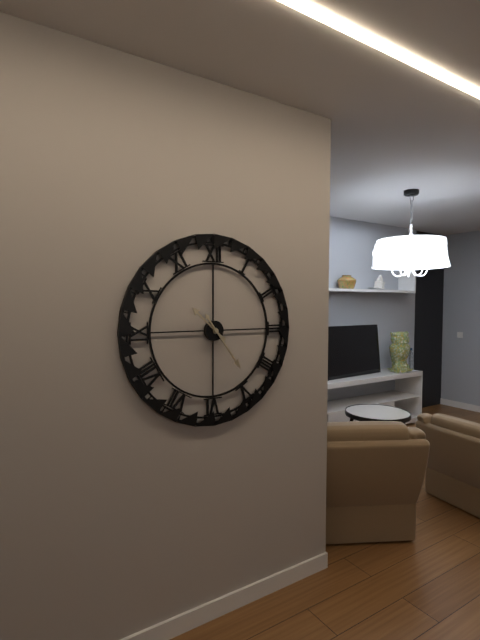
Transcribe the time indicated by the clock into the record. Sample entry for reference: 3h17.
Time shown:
10h24
